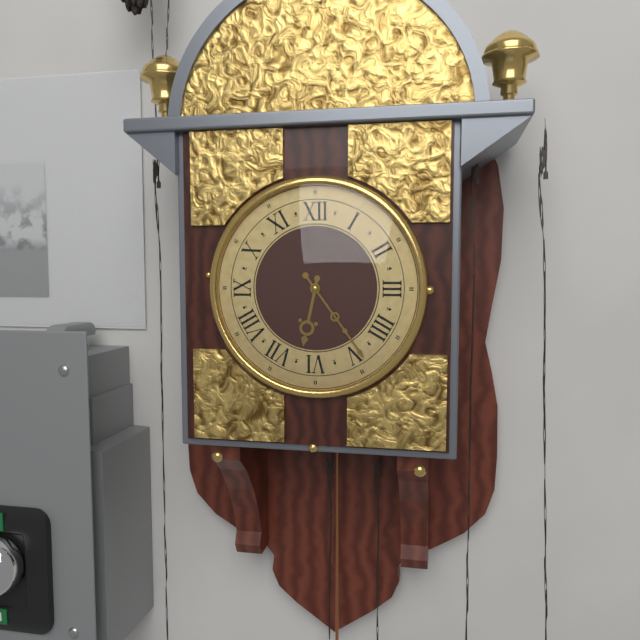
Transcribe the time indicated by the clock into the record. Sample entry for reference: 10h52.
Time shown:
6h24
